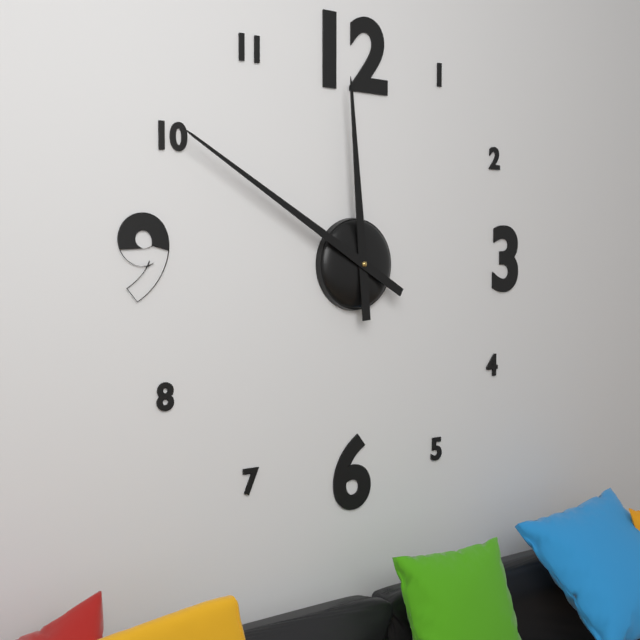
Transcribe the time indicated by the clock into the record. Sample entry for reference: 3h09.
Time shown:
11h50
